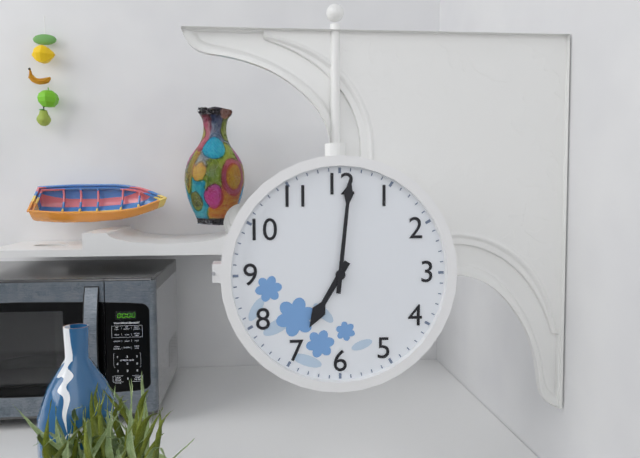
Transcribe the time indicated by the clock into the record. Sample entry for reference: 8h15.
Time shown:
7h01
